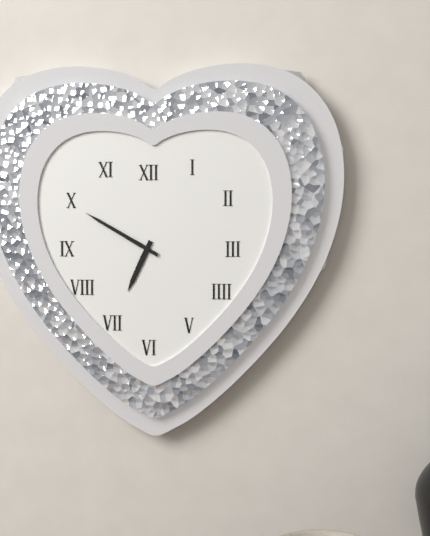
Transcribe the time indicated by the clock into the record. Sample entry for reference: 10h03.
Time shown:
6h50
